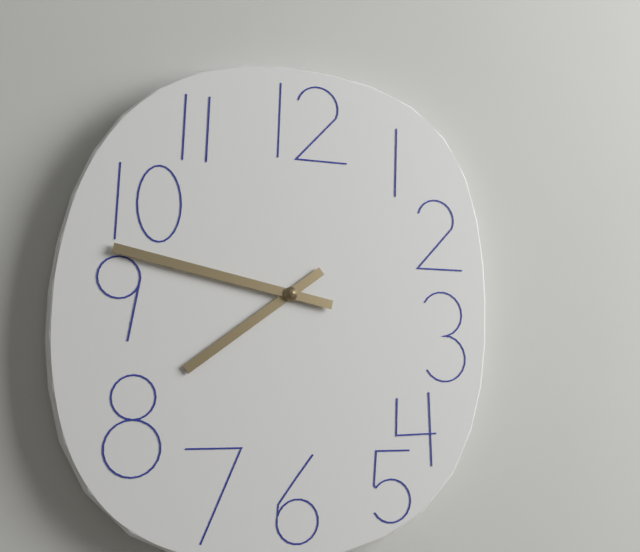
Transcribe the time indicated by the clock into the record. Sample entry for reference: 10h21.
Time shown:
7h47
